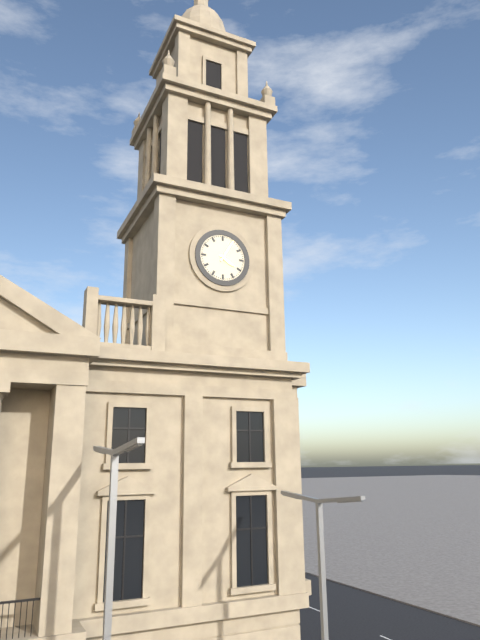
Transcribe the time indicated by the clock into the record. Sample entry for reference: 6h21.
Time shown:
4h05
